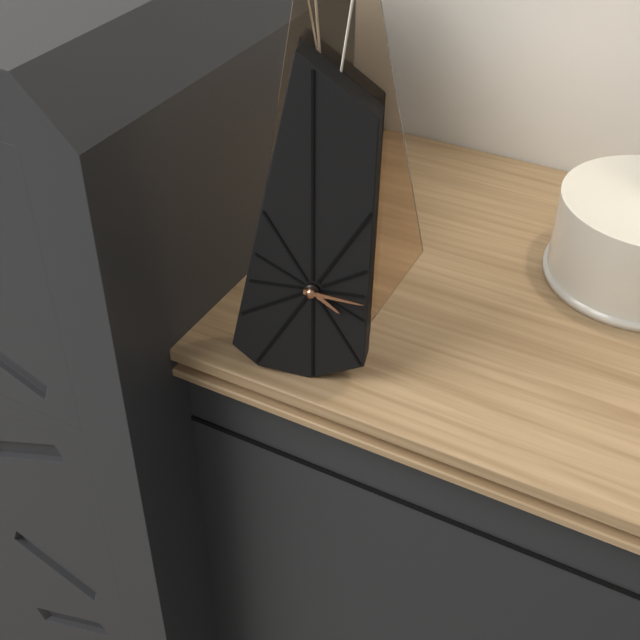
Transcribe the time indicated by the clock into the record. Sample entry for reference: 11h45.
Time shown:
4h16
